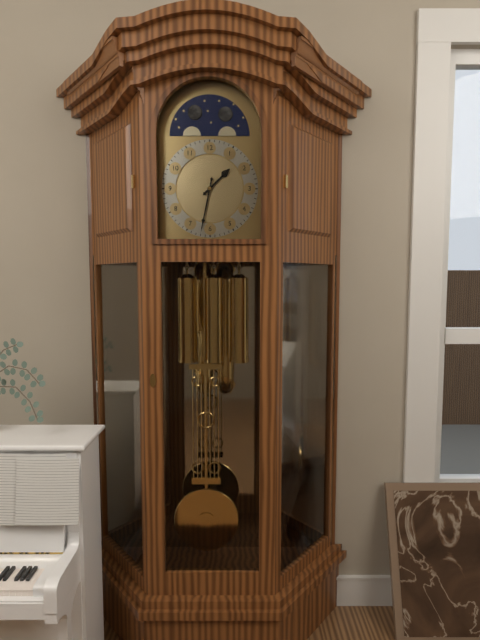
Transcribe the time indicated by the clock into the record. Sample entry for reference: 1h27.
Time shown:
1h32
